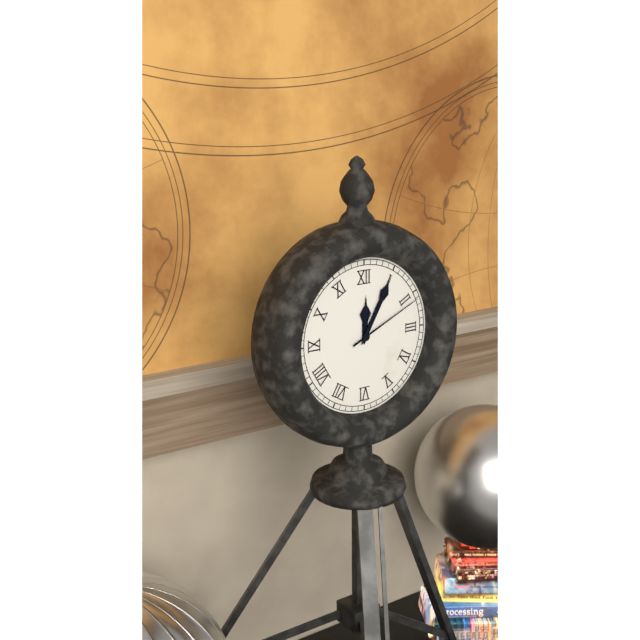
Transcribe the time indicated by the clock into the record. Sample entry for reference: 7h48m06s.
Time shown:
12h05m11s
